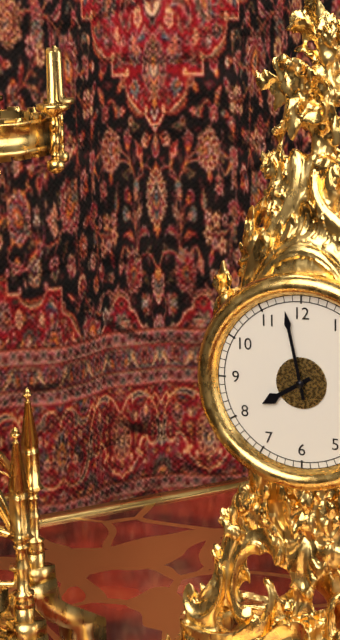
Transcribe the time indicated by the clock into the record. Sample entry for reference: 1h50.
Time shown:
7h58
